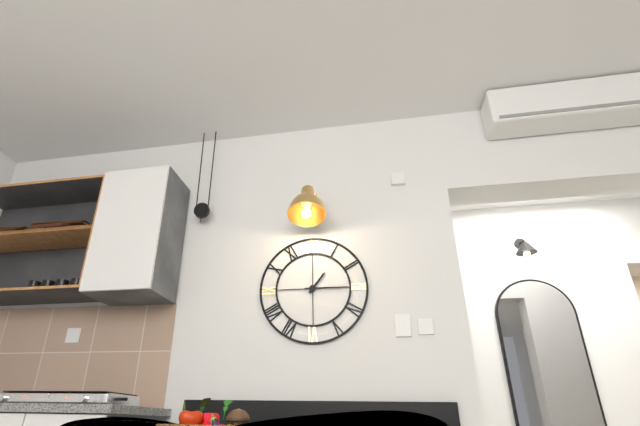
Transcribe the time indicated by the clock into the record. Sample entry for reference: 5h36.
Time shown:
1h15
